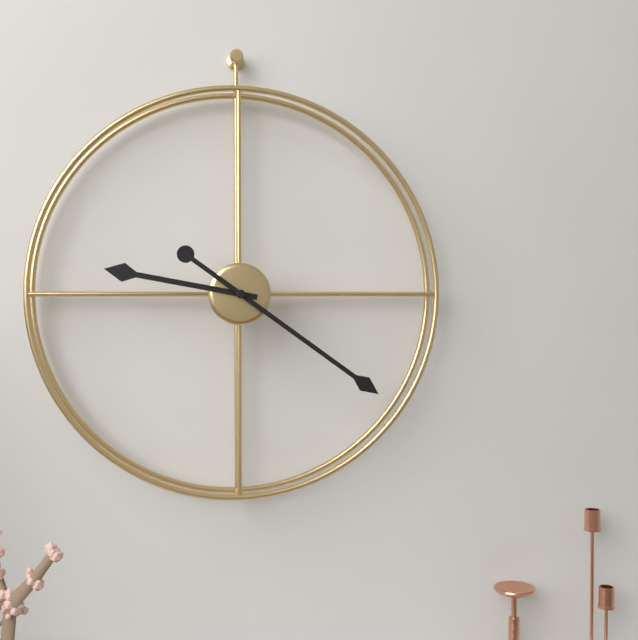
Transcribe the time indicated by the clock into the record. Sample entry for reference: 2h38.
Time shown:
9h21
